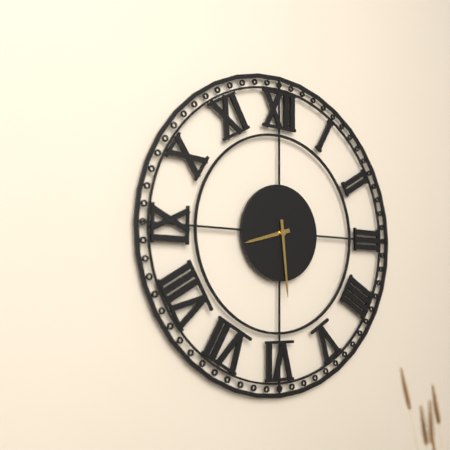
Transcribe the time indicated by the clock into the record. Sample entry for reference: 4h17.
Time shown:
8h29
